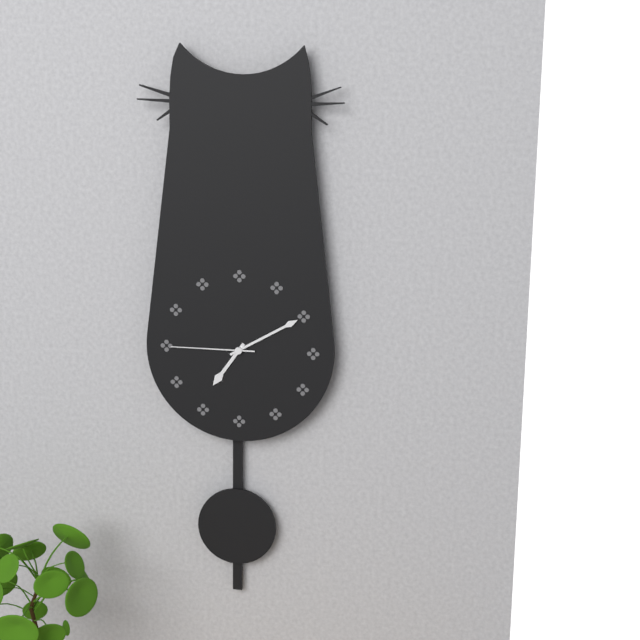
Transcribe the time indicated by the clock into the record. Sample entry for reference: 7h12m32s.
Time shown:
7h10m45s
